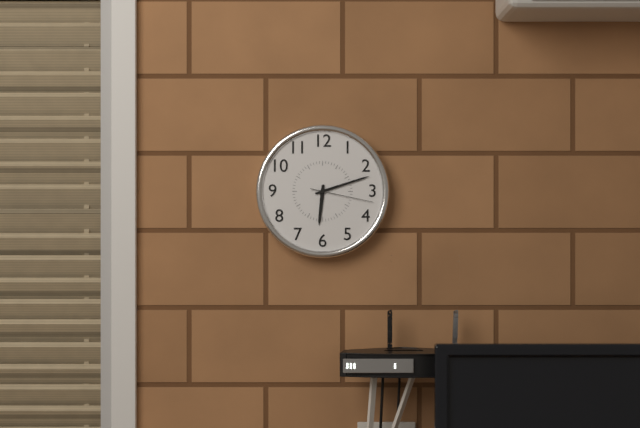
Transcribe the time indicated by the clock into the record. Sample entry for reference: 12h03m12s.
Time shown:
6h12m17s
